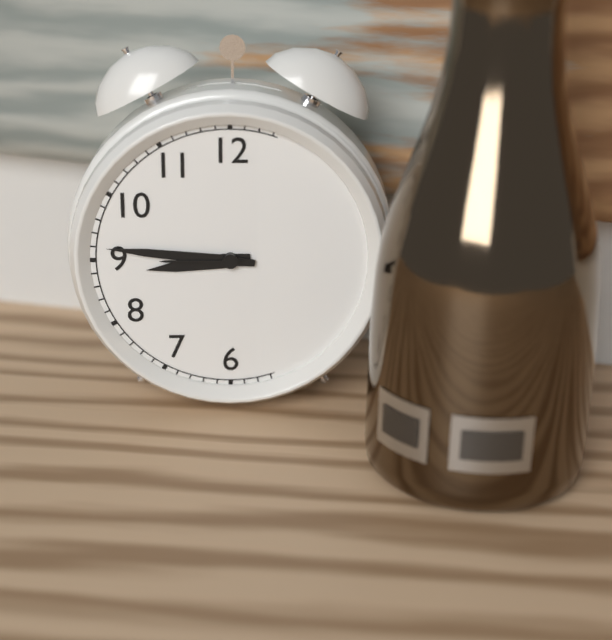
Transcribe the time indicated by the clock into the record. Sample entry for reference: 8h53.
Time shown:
8h46
